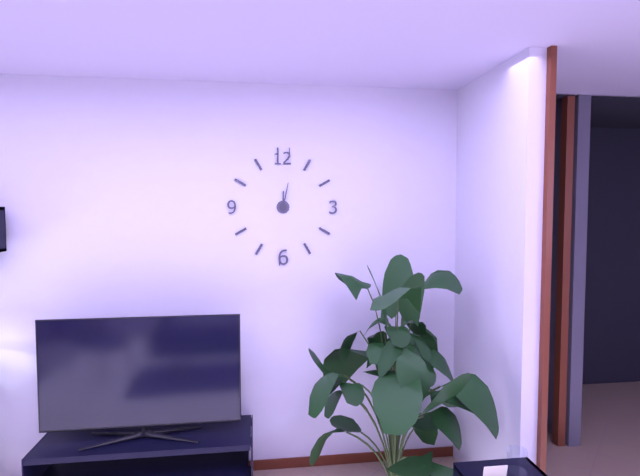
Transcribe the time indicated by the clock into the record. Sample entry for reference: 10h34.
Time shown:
12h02
